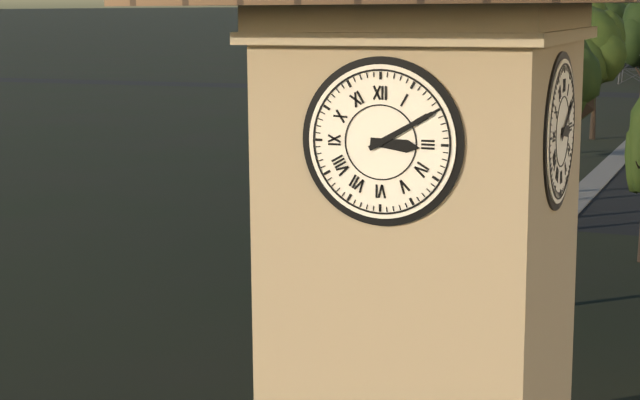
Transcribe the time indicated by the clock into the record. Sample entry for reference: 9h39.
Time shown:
3h10
